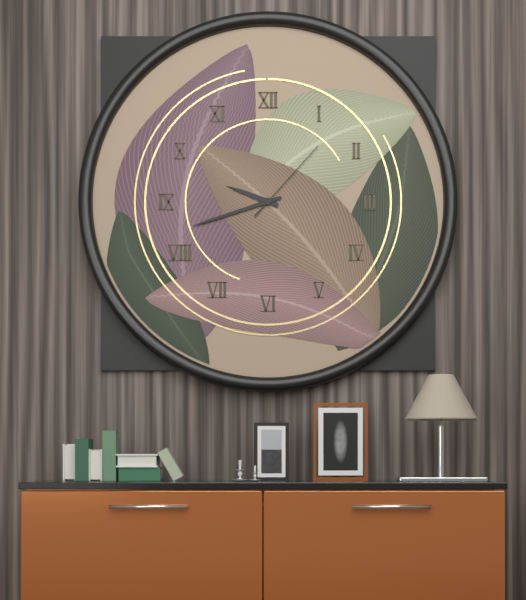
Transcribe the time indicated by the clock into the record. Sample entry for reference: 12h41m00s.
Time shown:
9h42m07s
